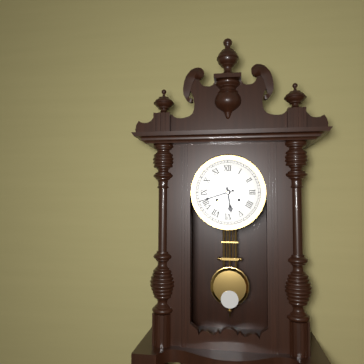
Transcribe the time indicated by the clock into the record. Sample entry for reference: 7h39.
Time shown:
5h42
